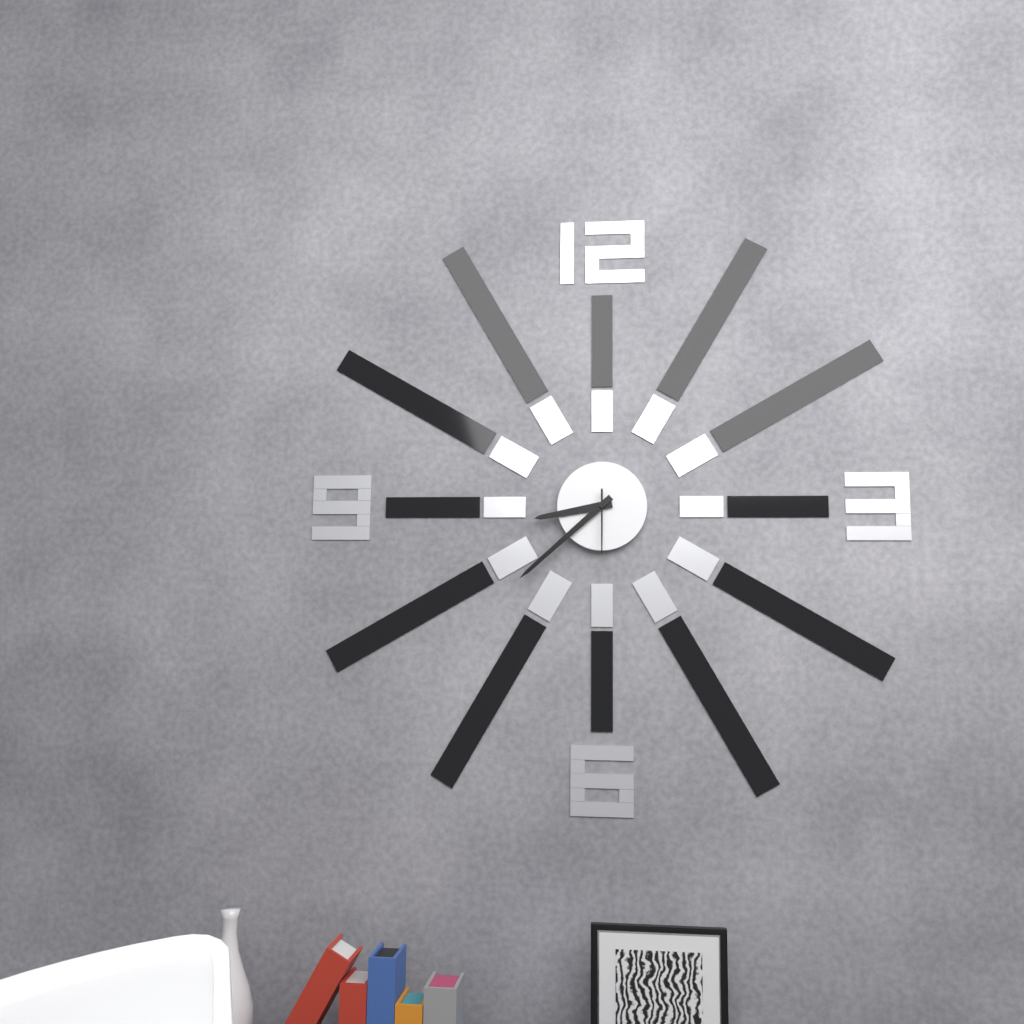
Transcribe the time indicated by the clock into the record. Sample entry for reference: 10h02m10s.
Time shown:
8h38m30s
